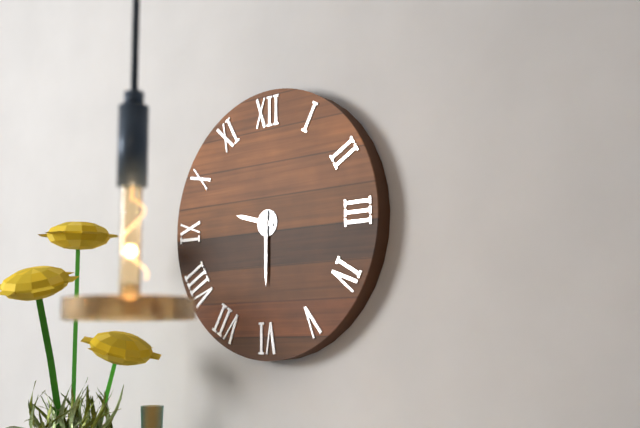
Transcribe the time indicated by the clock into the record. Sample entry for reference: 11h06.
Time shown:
9h30
